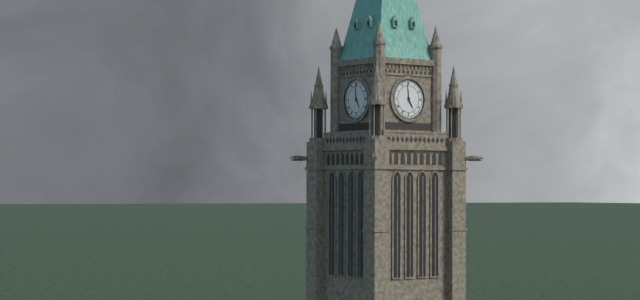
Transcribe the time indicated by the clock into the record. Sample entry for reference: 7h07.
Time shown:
4h59
